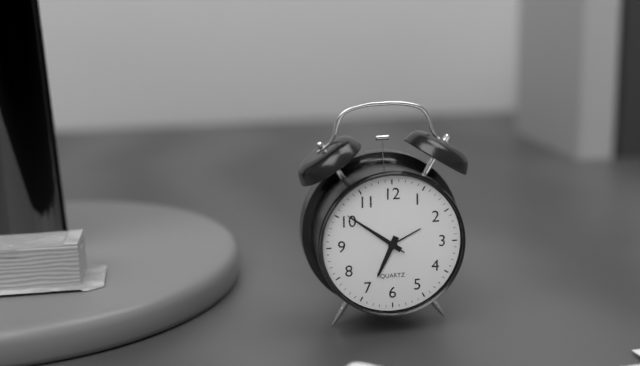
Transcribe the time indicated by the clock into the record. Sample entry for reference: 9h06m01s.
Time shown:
6h51m51s
